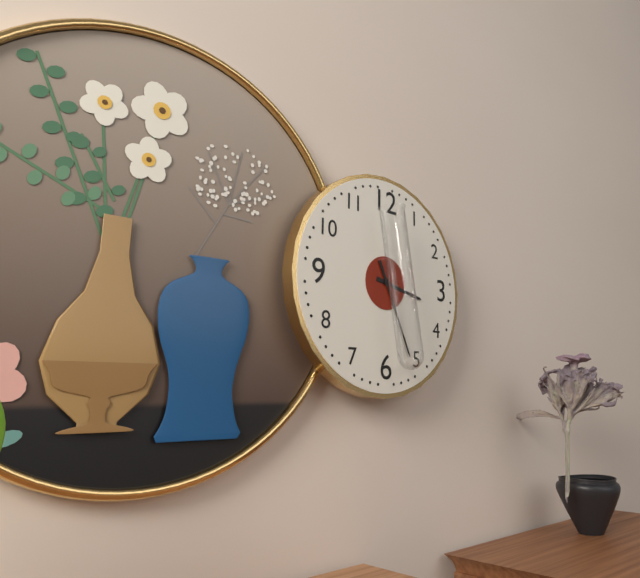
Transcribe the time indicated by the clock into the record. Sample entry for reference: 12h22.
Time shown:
3h26
